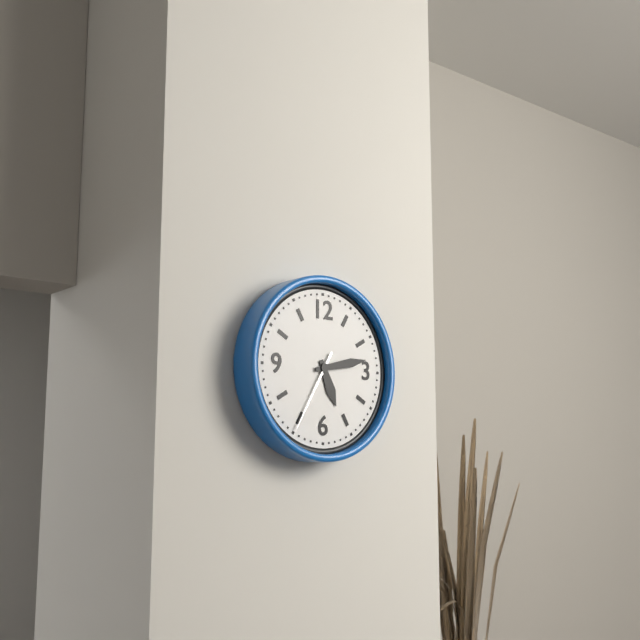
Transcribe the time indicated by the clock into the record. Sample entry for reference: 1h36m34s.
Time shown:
5h13m35s
